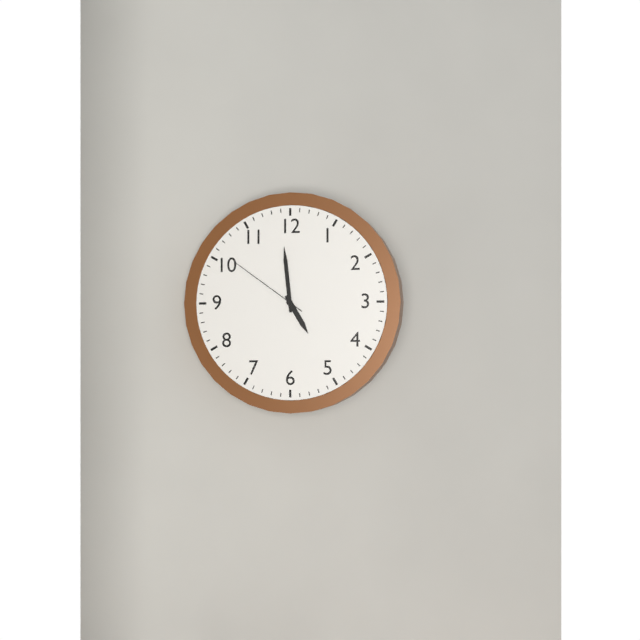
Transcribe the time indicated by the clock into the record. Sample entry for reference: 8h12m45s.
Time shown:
4h59m51s
